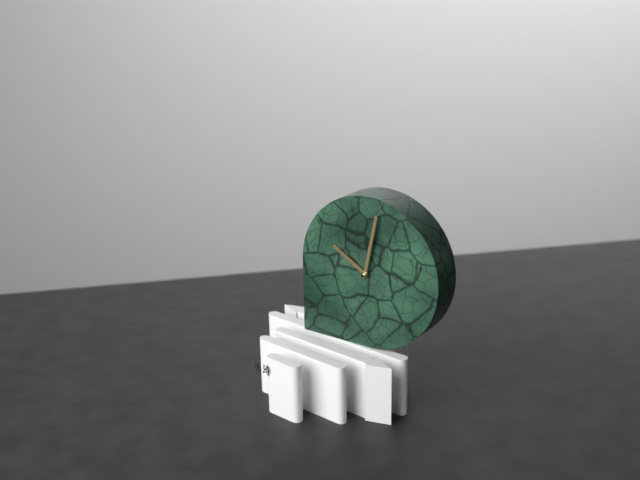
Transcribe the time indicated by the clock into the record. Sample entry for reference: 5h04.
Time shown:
10h02
